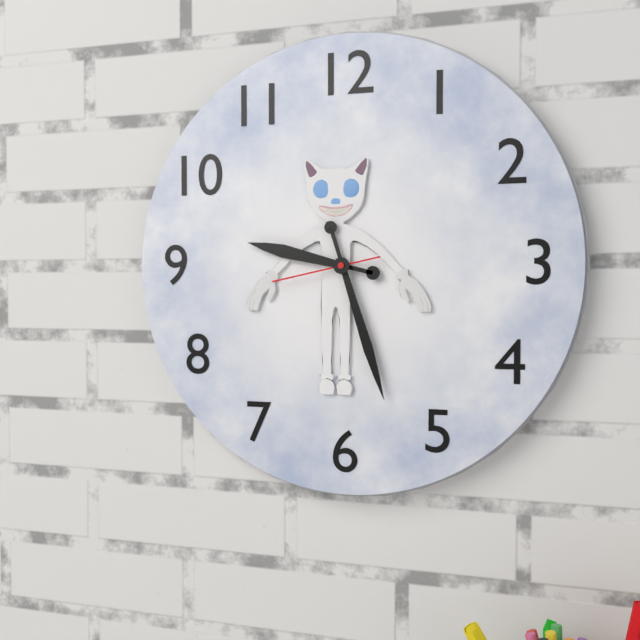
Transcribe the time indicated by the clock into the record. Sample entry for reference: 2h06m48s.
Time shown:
9h27m43s
